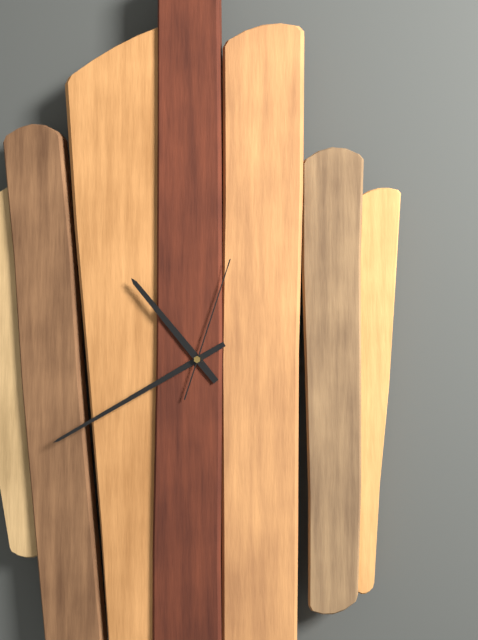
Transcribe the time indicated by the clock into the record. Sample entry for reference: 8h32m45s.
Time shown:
10h40m03s
